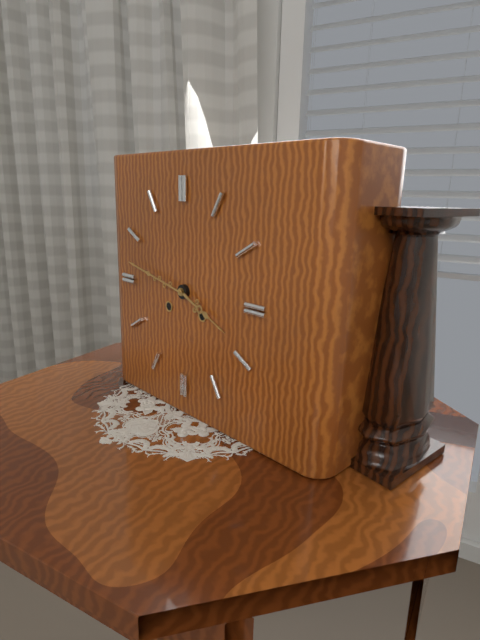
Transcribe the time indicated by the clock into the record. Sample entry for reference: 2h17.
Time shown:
3h47
